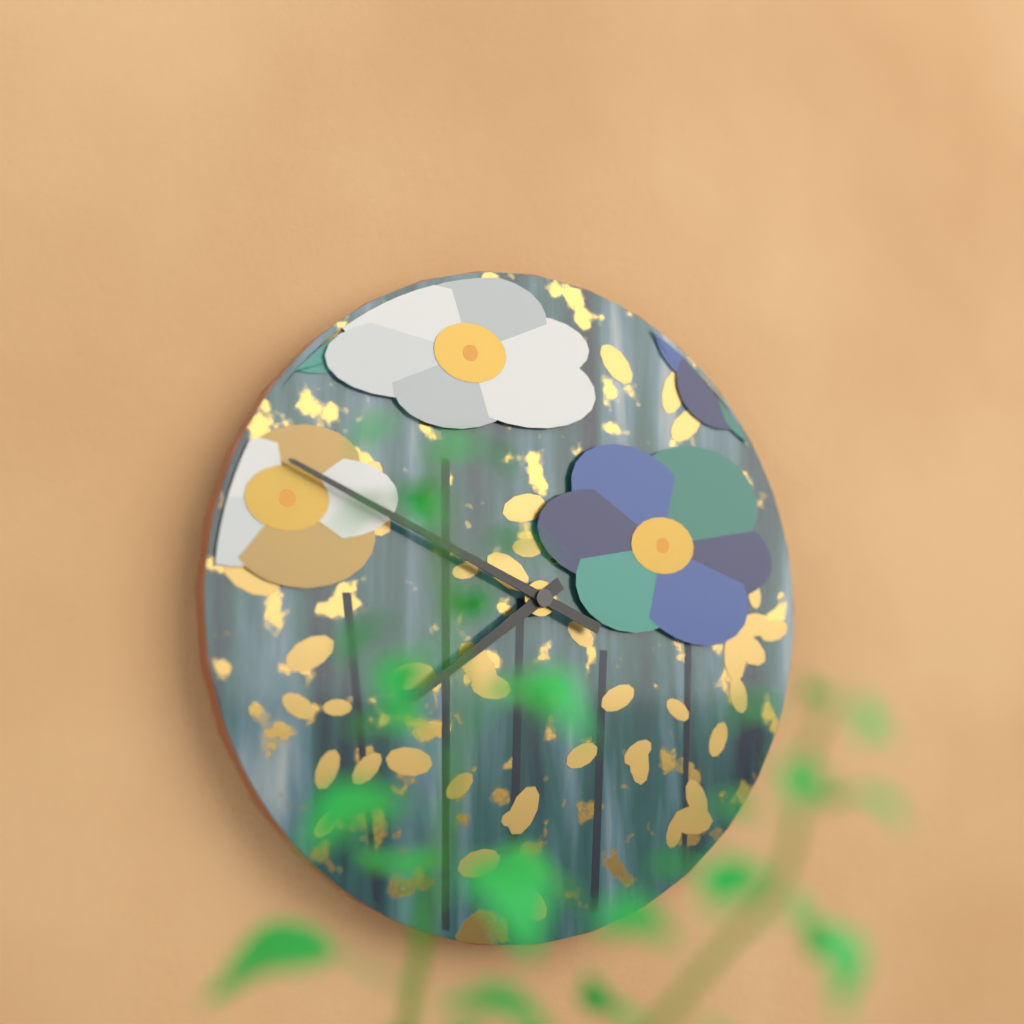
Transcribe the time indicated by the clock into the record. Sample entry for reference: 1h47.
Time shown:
7h49
